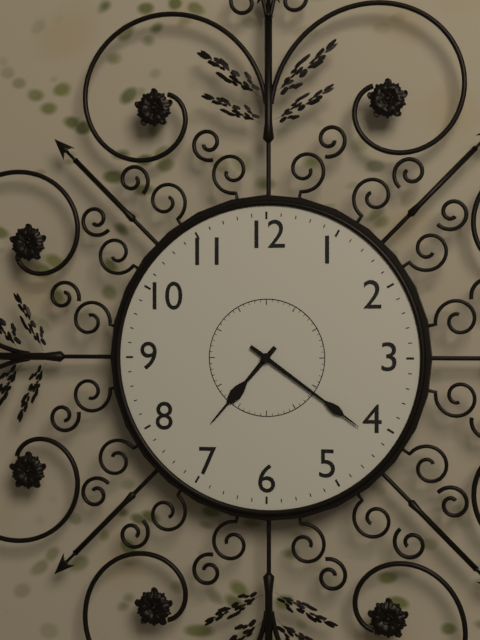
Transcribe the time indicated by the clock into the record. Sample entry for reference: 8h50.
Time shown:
7h21
